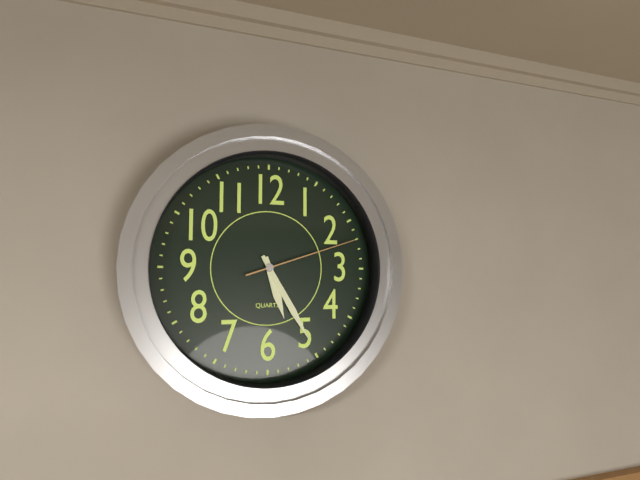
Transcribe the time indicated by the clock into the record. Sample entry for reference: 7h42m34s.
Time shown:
5h25m12s
